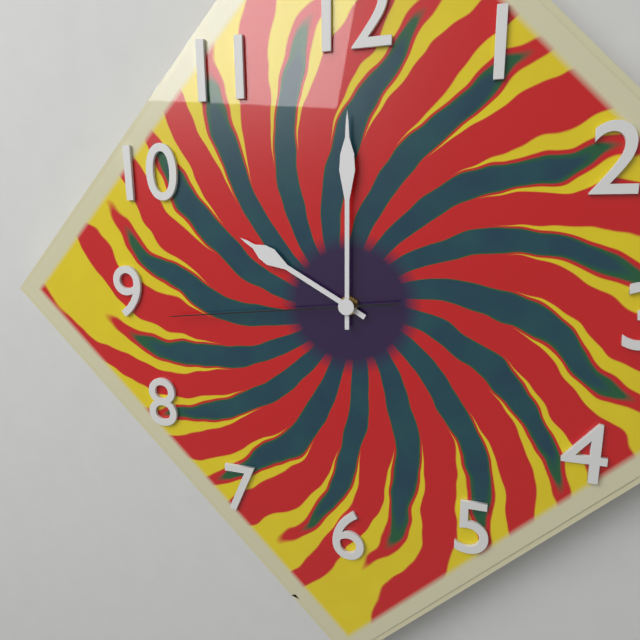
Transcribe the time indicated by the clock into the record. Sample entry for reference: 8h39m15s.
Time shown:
10h00m44s
